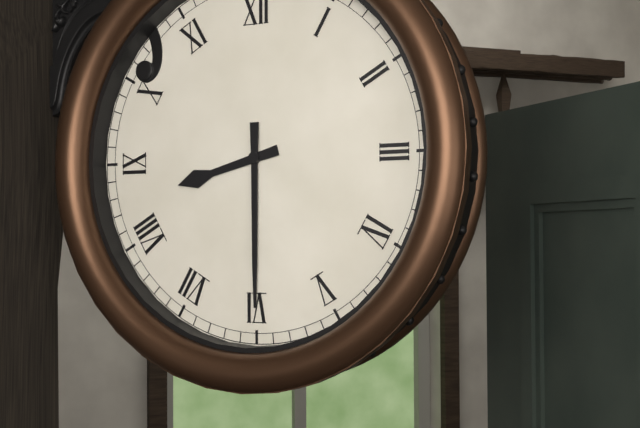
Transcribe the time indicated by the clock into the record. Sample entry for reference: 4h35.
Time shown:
8h30
